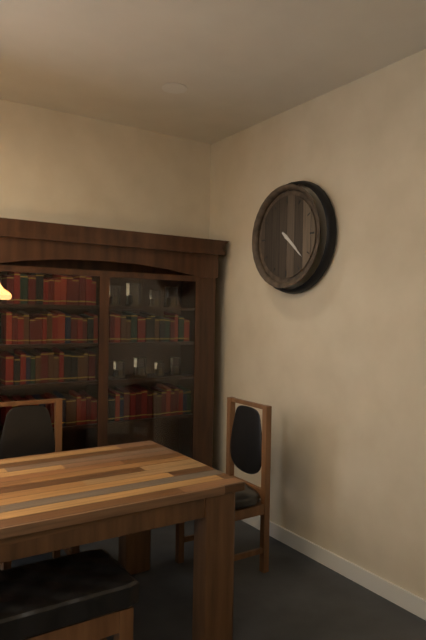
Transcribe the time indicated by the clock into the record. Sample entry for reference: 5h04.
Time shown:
4h22
